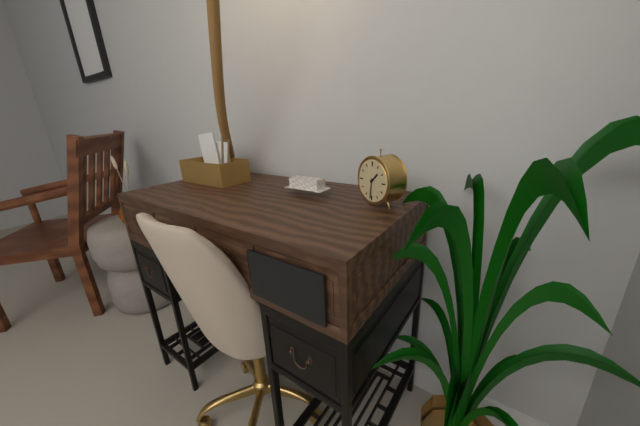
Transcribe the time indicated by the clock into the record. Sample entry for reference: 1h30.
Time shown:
1h31
